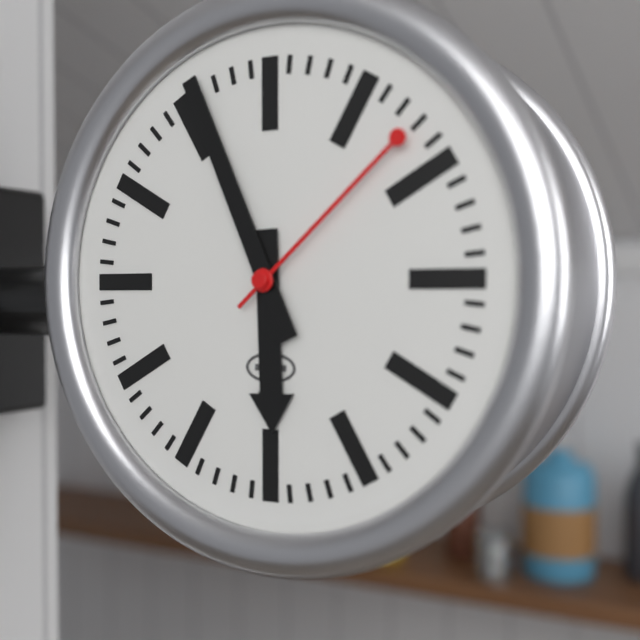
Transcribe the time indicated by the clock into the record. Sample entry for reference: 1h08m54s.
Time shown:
5h56m08s
